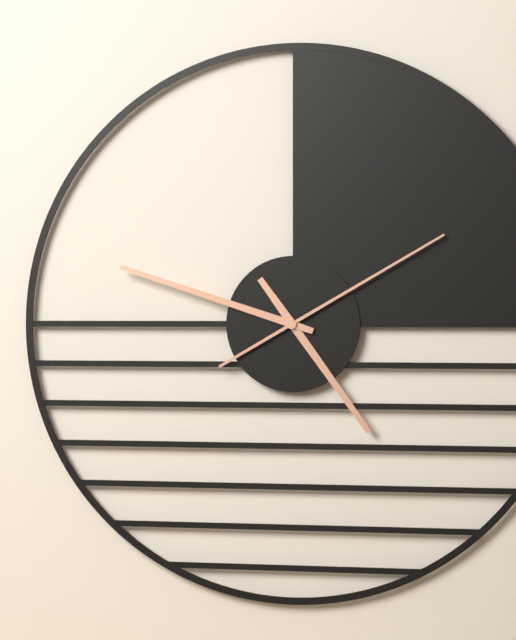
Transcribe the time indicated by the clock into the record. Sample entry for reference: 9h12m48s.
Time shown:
4h48m10s
